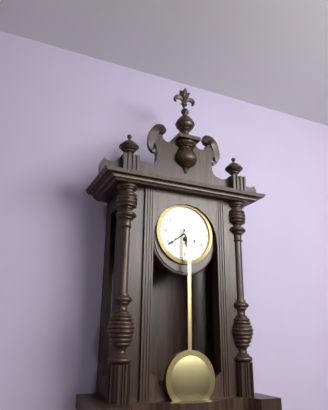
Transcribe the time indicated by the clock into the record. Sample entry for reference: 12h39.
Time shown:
5h39
